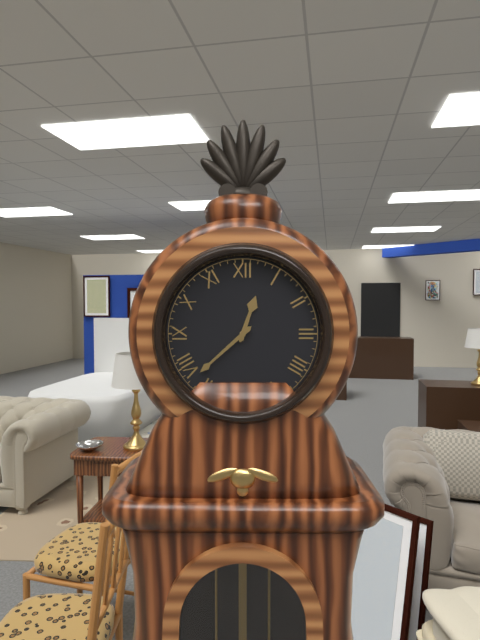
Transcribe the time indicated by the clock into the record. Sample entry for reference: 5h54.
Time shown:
12h38
